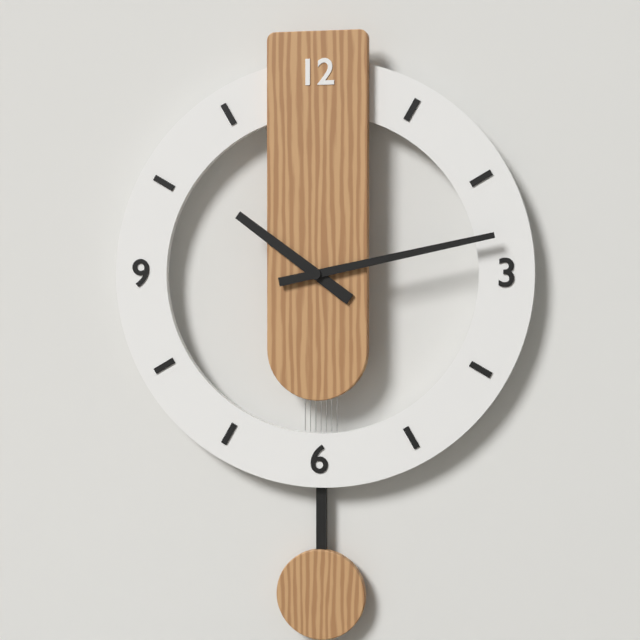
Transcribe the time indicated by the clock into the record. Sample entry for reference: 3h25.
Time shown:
10h13
